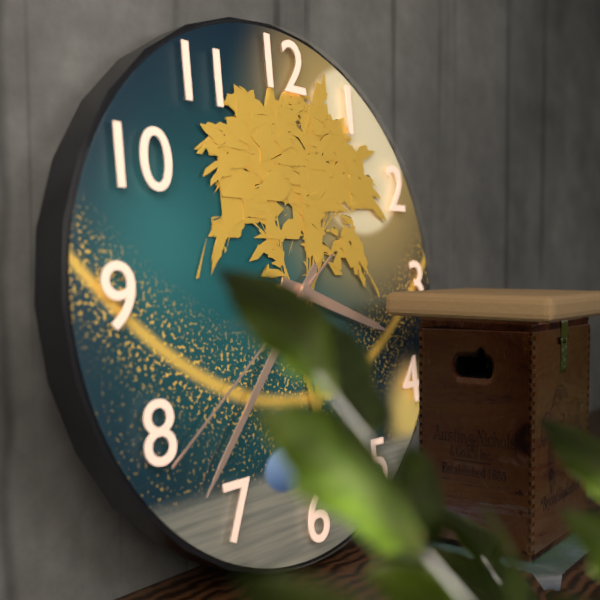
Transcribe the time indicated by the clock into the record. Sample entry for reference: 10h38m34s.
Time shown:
3h37m39s
